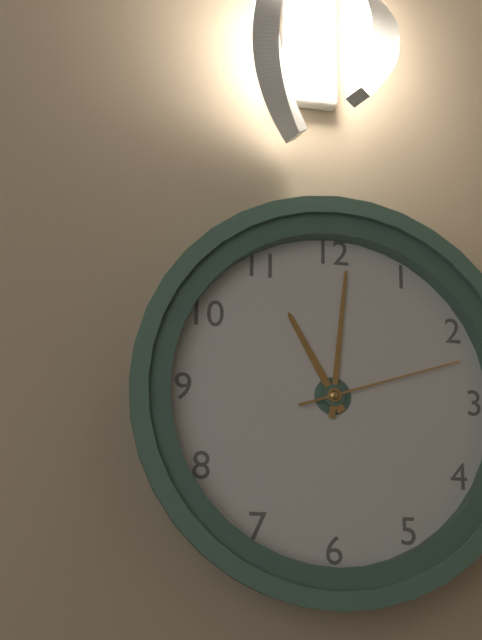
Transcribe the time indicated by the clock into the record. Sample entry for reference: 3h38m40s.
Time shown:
11h01m12s
